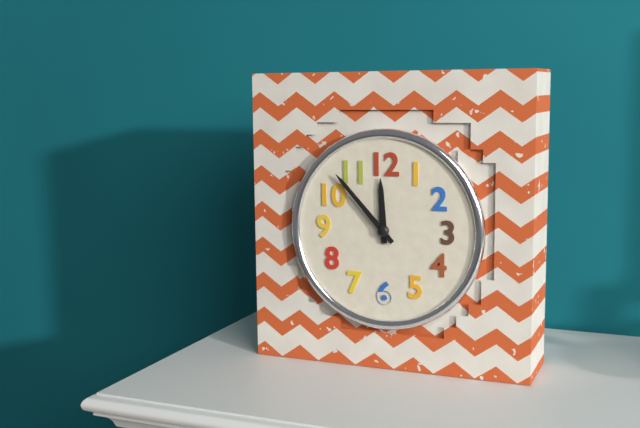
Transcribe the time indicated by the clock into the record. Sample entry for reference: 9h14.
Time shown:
11h53
